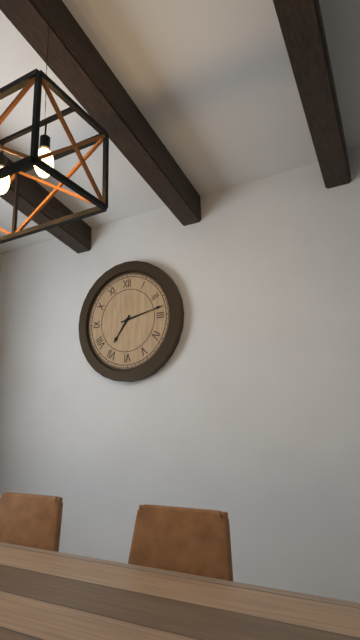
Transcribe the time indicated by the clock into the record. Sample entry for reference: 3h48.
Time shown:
7h13
